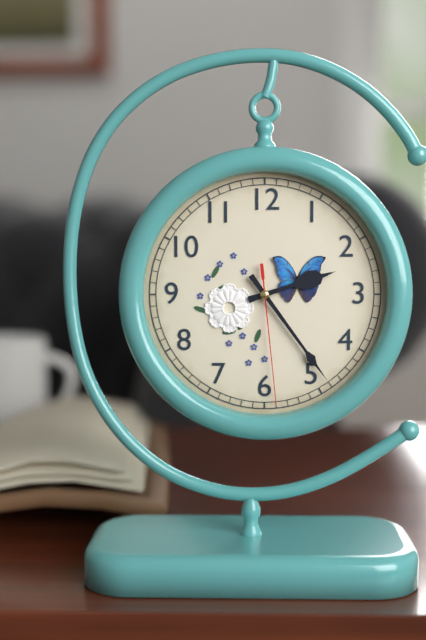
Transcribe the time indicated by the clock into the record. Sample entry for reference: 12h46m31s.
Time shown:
2h24m29s
